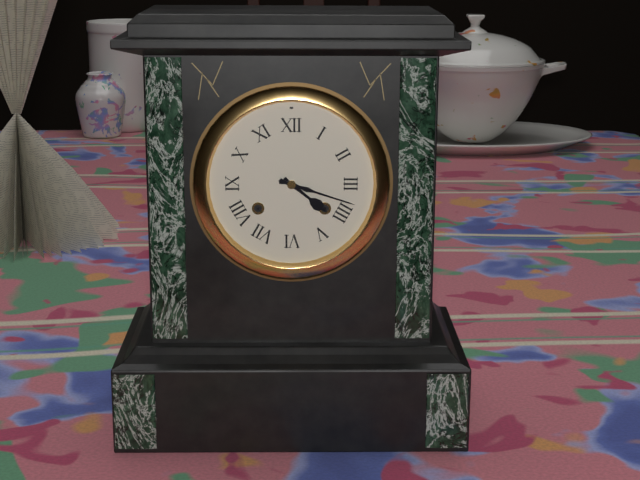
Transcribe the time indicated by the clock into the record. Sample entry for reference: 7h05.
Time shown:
4h18
